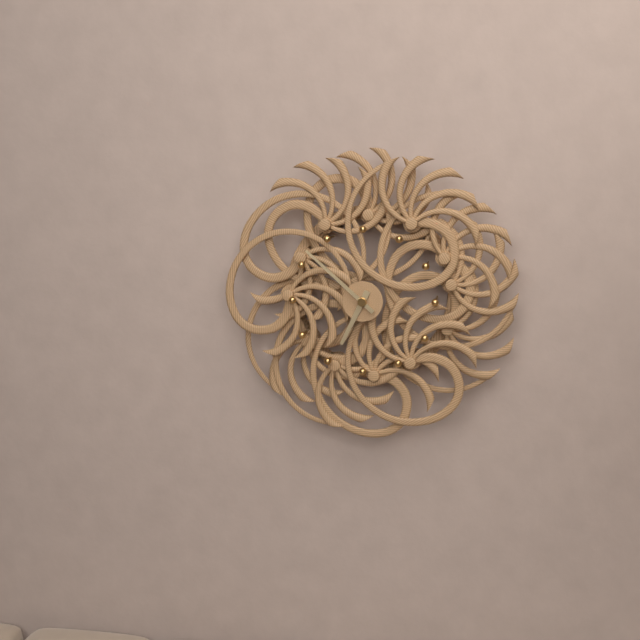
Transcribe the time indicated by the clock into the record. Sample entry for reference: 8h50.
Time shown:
6h52
